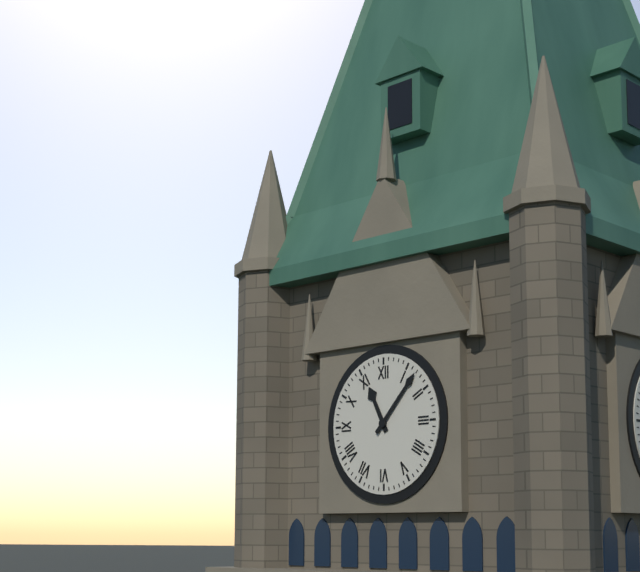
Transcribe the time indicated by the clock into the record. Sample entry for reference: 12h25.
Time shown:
11h07
